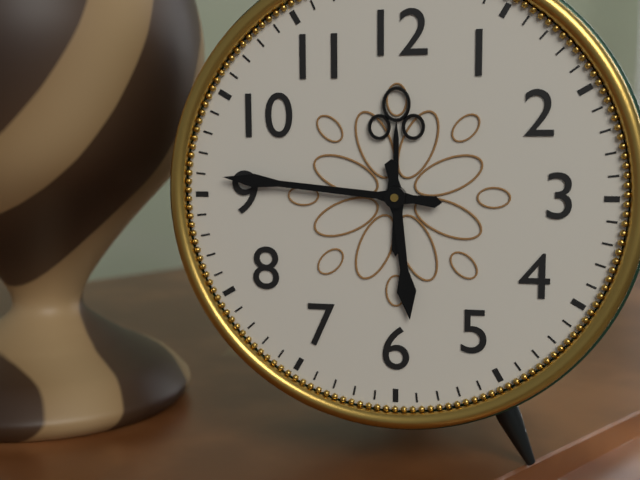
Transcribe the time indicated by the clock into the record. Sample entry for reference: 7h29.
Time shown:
5h46
